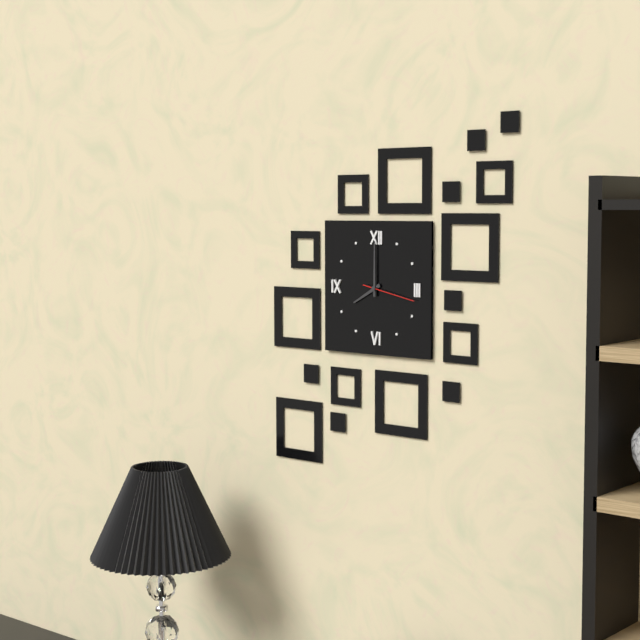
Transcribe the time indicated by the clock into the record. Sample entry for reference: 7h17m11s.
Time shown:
8h00m17s
